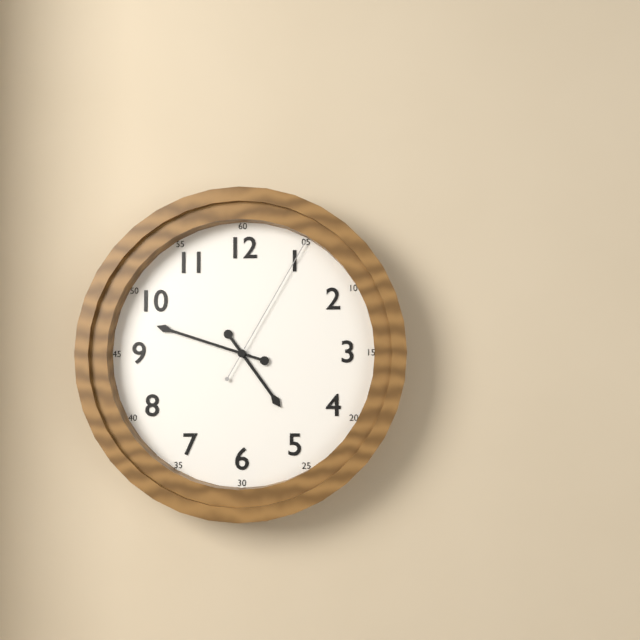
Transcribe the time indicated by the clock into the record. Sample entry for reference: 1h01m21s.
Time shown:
4h48m05s
